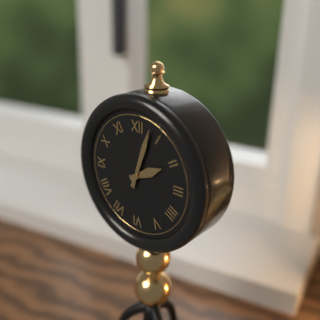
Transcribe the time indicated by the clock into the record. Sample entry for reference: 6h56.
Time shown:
2h03
